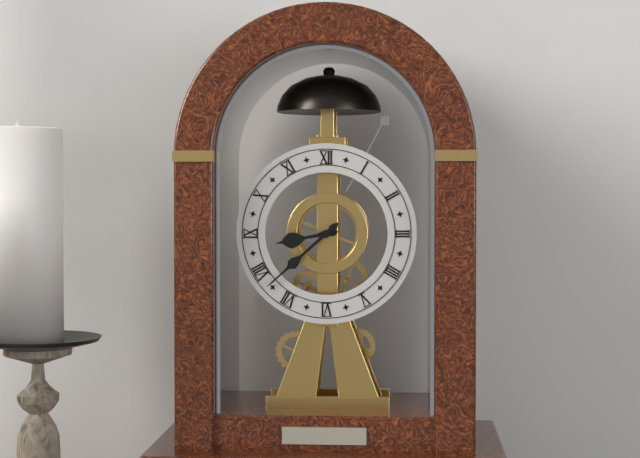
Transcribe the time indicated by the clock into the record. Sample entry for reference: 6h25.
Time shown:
8h38
